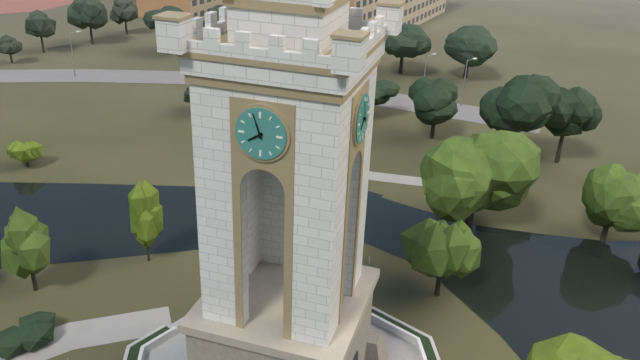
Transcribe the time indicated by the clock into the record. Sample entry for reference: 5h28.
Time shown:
7h57
